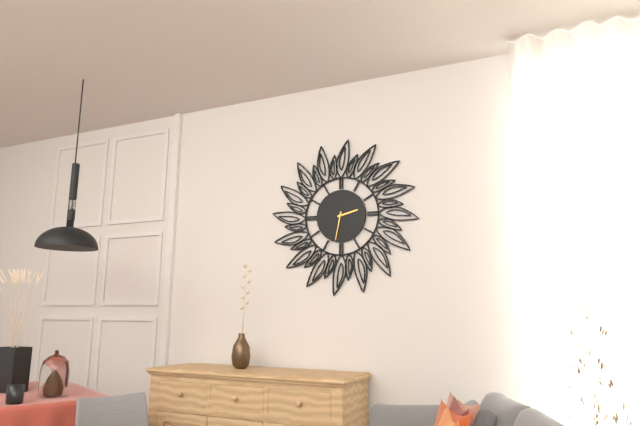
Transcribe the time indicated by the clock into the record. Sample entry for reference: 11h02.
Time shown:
2h32
